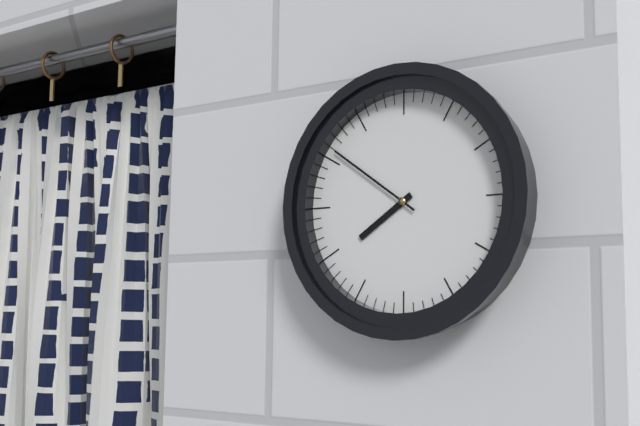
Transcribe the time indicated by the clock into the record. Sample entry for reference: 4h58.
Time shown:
7h51
